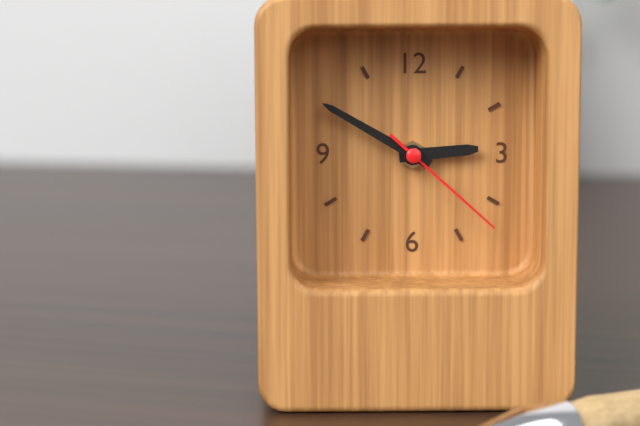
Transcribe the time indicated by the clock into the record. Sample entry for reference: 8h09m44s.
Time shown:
2h50m22s
